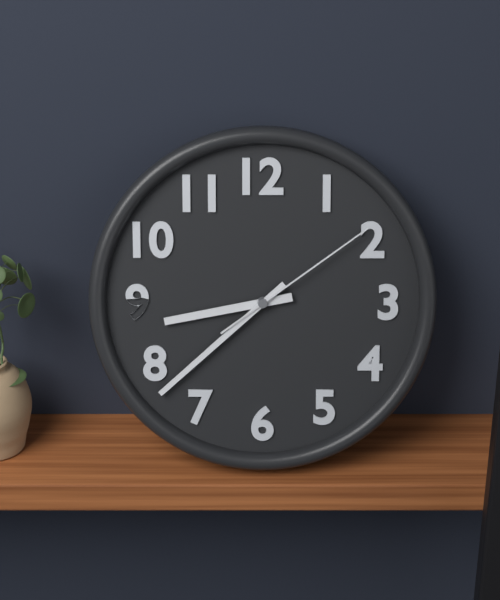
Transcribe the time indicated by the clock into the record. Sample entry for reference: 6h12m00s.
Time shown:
8h38m09s
